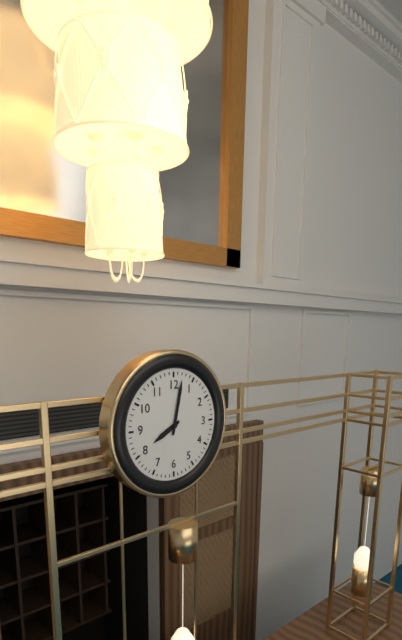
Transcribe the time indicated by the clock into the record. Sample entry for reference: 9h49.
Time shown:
8h02
